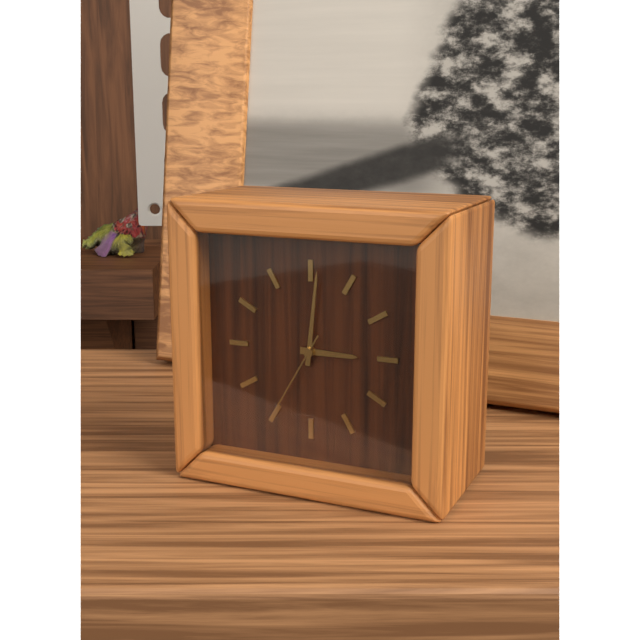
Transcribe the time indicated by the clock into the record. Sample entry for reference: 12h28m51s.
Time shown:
3h01m35s
